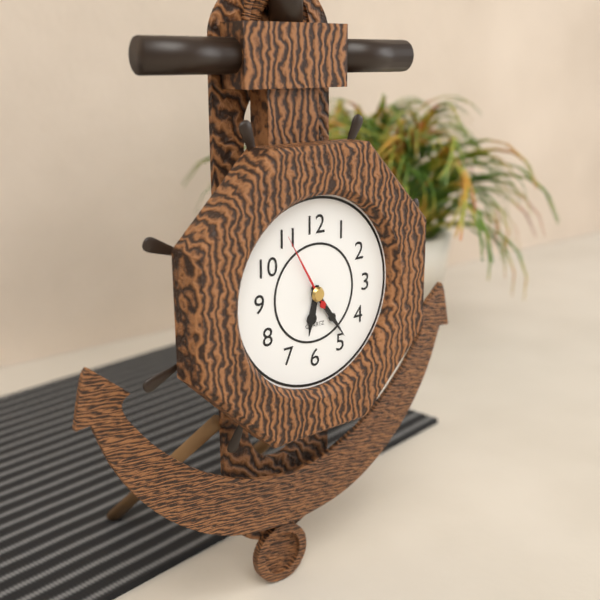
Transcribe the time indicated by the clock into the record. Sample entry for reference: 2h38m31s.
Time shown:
6h24m55s
